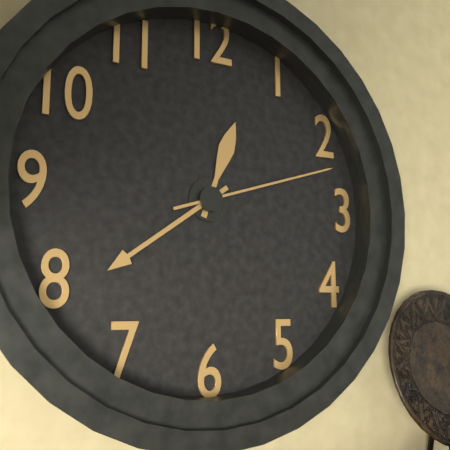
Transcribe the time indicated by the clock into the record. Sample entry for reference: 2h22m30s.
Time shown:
12h39m12s
